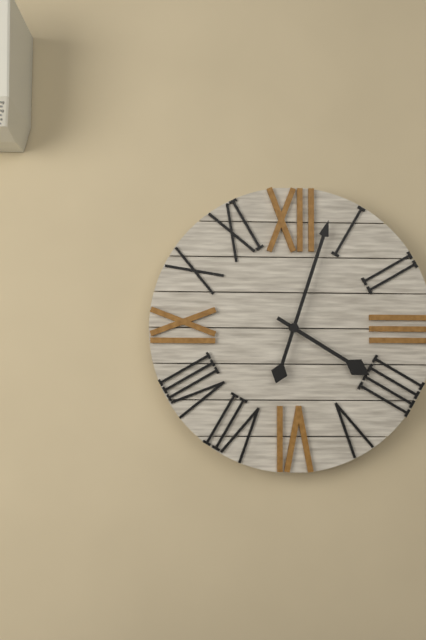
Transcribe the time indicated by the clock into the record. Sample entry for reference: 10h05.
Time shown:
4h03
